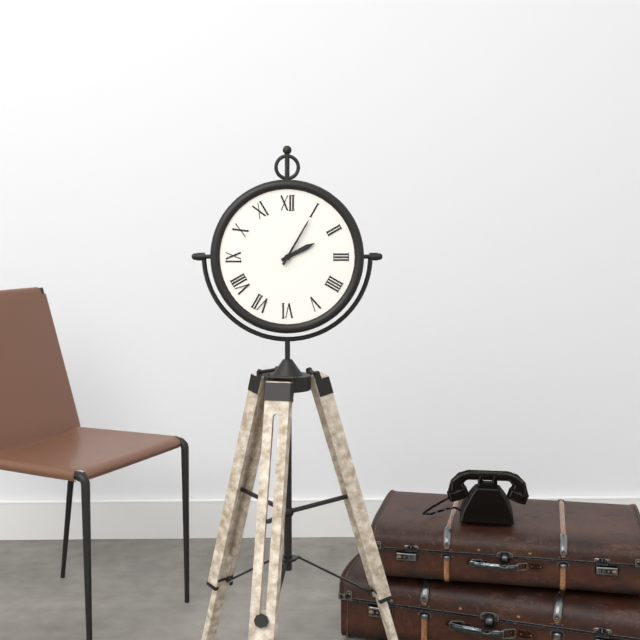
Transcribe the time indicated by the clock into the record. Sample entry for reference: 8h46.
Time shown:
2h05
